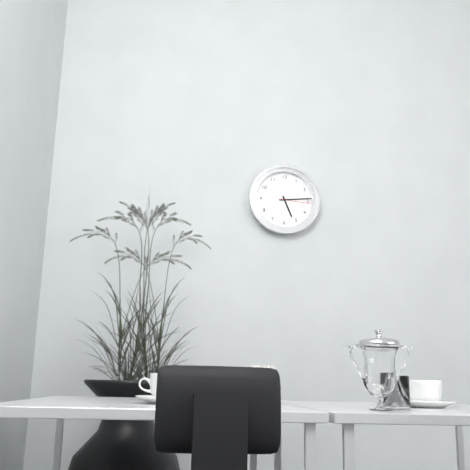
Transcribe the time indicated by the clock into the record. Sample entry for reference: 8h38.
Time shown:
5h14
